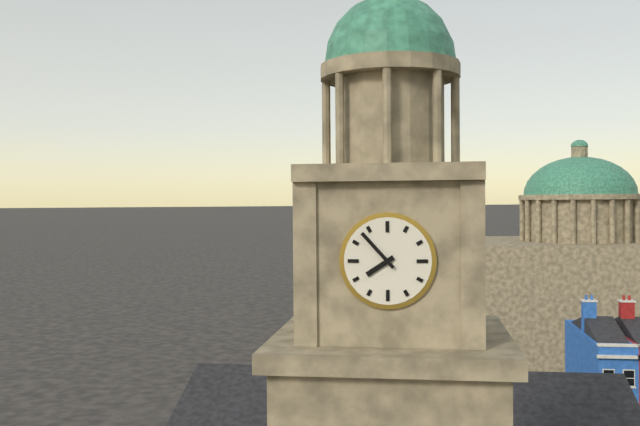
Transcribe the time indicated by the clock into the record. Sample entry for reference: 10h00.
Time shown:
7h53
